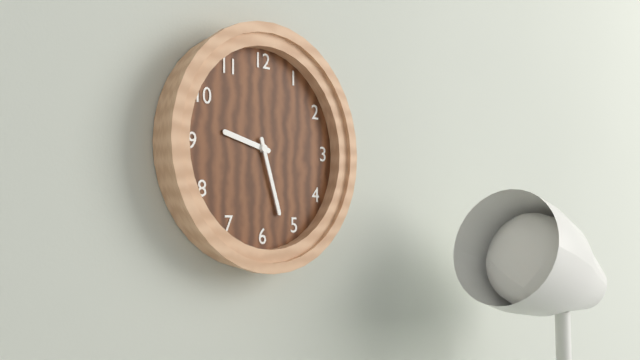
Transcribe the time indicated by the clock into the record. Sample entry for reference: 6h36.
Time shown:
9h27
